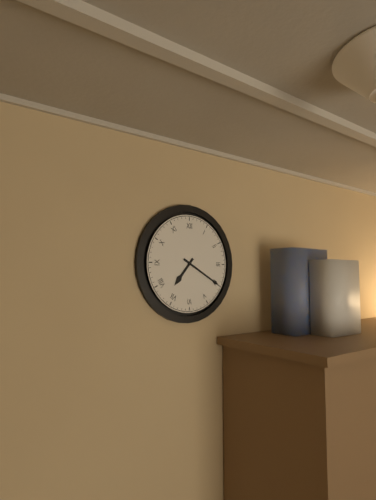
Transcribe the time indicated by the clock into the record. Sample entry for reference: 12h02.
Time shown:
7h20
